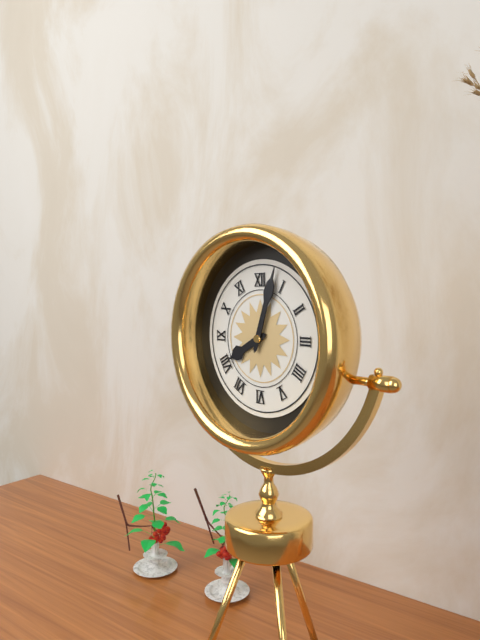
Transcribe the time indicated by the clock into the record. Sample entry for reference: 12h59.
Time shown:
8h03
